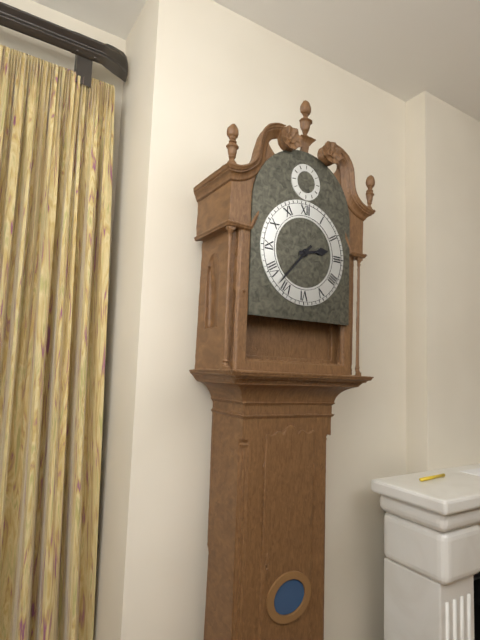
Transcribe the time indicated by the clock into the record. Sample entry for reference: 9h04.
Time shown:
2h37
